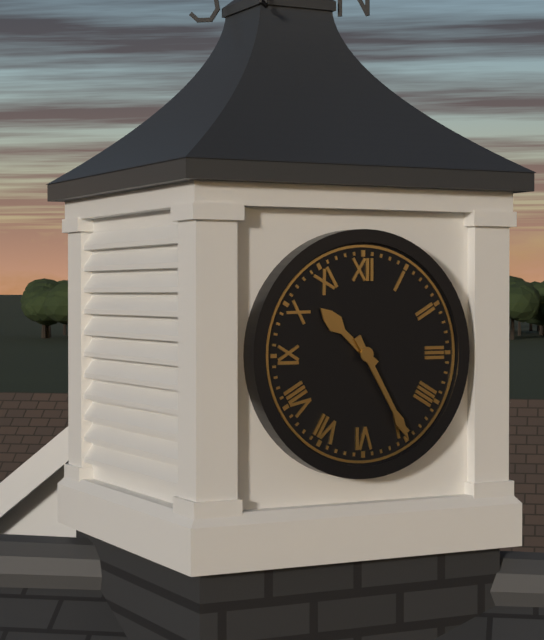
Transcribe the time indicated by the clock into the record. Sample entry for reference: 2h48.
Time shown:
10h25
